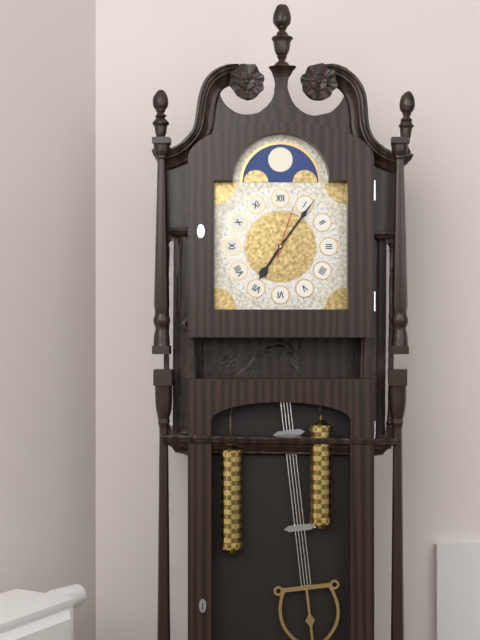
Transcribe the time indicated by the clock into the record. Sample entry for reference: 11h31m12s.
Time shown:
7h06m03s
